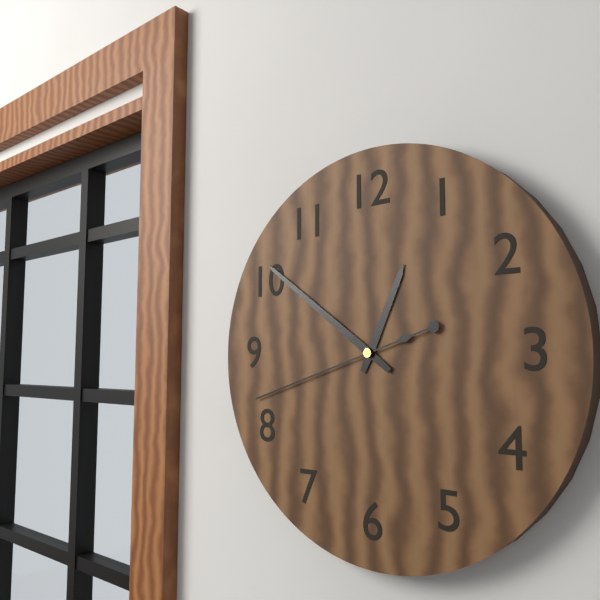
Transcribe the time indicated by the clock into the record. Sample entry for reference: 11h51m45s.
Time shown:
12h51m42s
